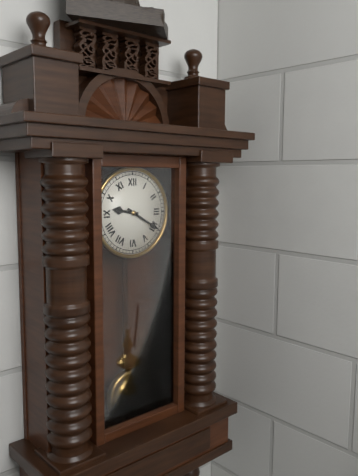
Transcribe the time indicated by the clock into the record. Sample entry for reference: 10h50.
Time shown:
9h20
